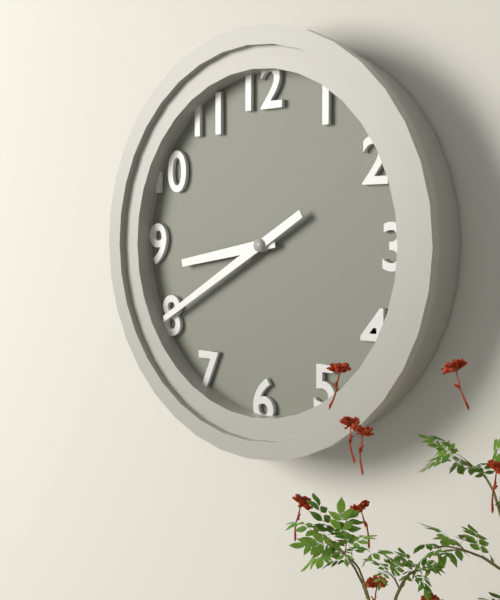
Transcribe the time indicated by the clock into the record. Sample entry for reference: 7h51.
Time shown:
8h40
